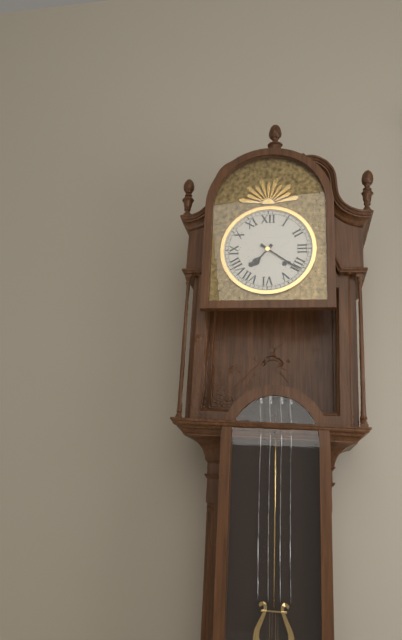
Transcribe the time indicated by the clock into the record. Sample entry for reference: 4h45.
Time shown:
7h21
